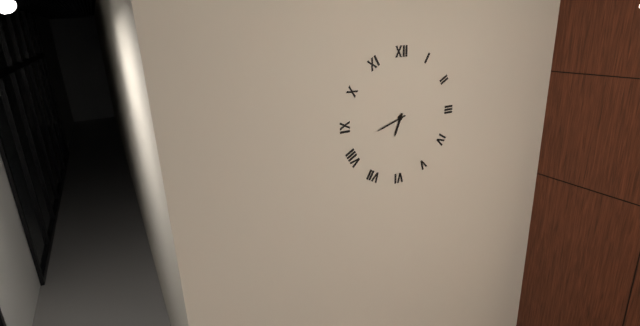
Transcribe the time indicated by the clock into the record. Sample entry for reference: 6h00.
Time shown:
6h42
